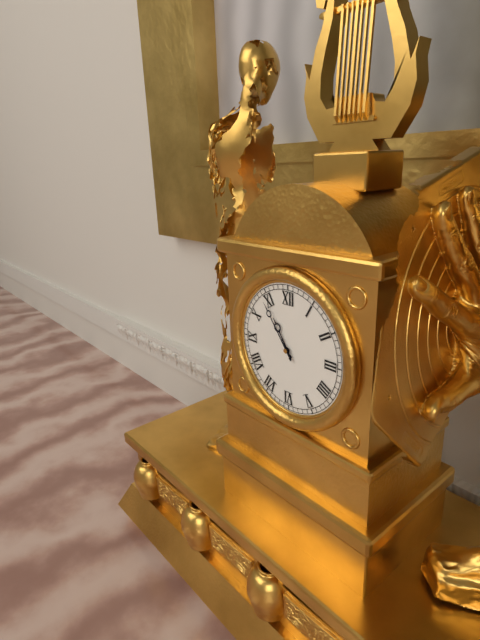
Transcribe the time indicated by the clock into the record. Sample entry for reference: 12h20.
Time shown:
10h54
